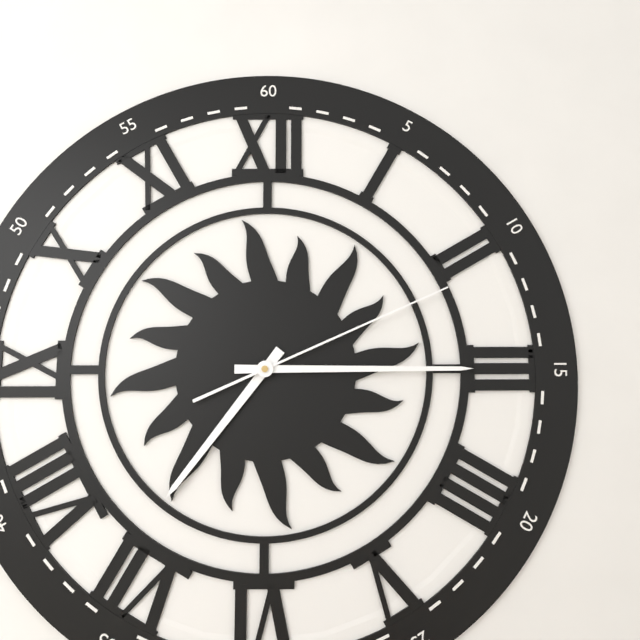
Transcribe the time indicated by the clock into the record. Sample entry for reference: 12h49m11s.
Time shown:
7h15m11s
